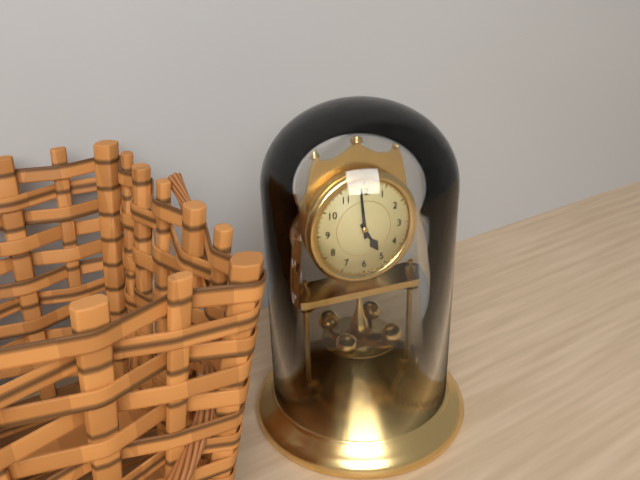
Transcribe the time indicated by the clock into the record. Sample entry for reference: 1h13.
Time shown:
4h59
